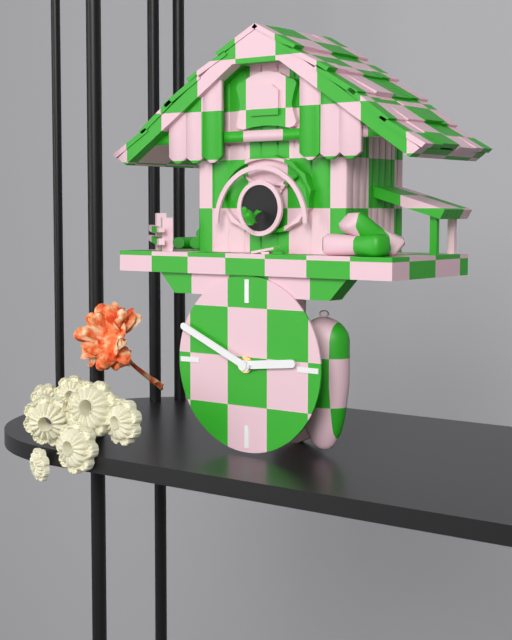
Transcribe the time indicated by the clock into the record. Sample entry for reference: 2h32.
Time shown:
2h49
